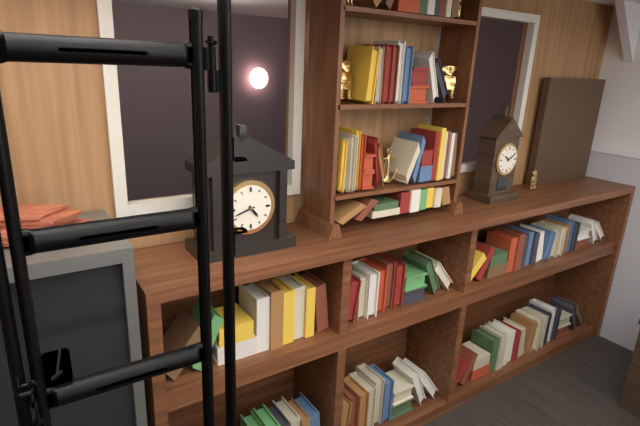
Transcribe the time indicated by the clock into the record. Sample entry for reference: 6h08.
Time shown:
4h42
